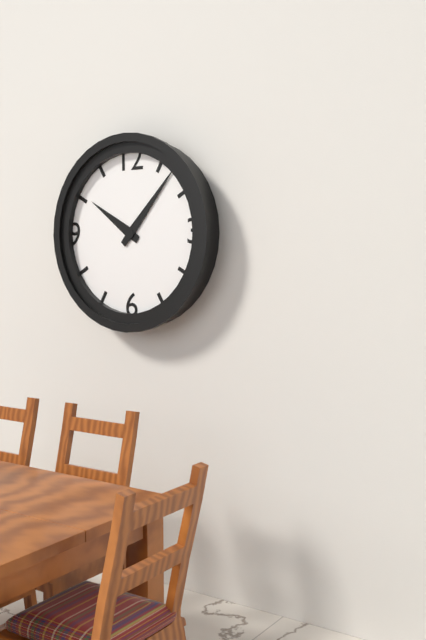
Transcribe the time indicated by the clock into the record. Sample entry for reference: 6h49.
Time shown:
10h07
